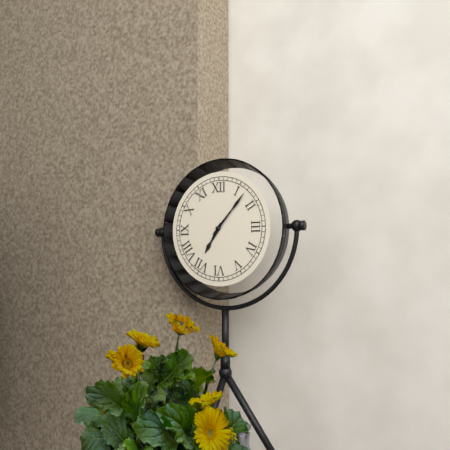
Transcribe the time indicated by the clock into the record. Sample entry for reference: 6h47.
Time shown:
7h07
